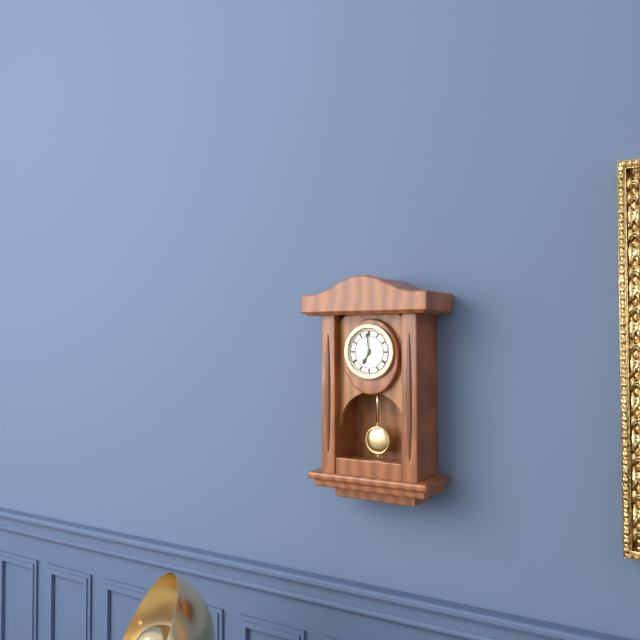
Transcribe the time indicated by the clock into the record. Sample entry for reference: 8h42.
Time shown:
6h59
